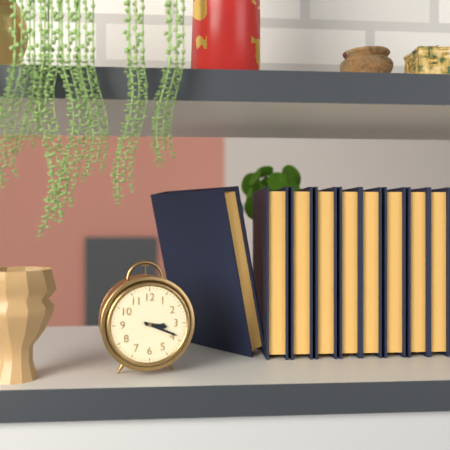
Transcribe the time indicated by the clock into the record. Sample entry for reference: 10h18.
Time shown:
3h19
